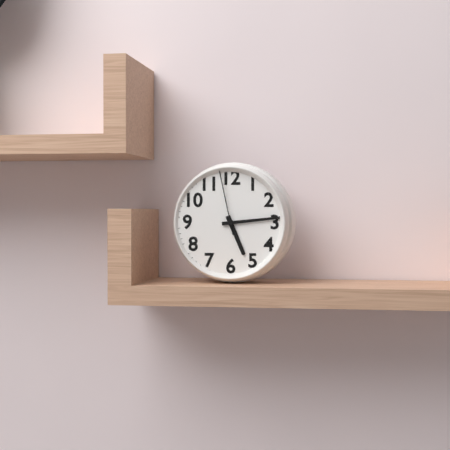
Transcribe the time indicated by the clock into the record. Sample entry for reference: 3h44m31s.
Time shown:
5h14m58s
